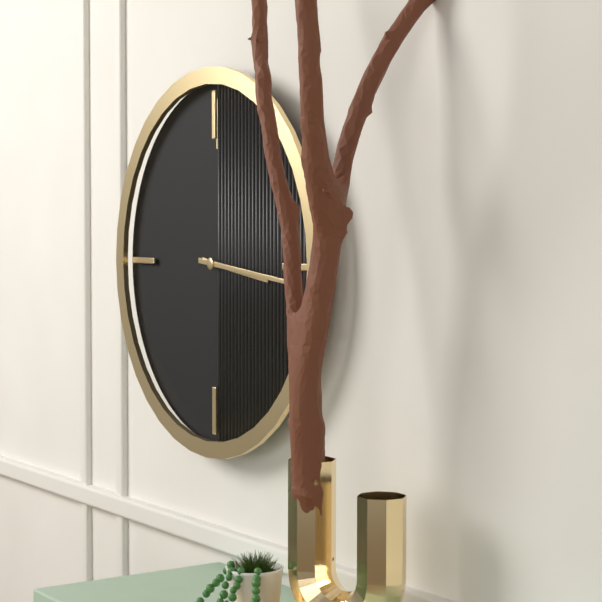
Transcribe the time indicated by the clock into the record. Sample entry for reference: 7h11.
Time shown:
3h16
